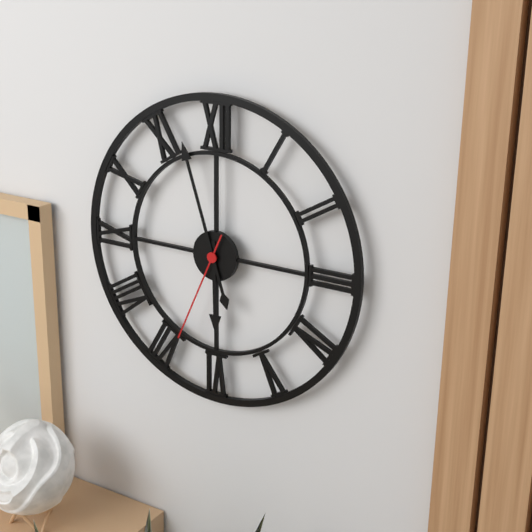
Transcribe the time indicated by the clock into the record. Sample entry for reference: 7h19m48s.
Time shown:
5h57m34s
